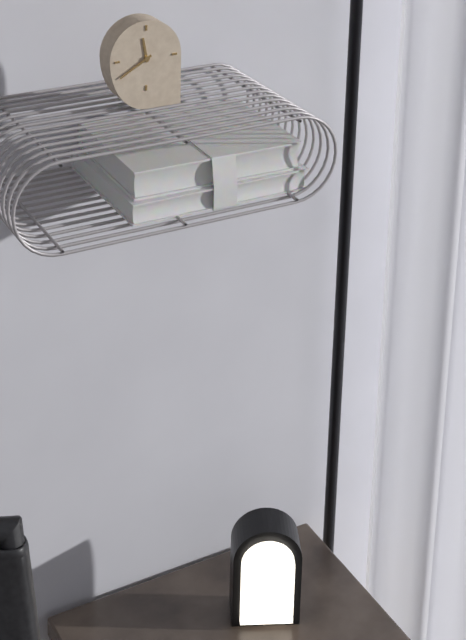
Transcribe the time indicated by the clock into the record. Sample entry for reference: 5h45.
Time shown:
11h40
